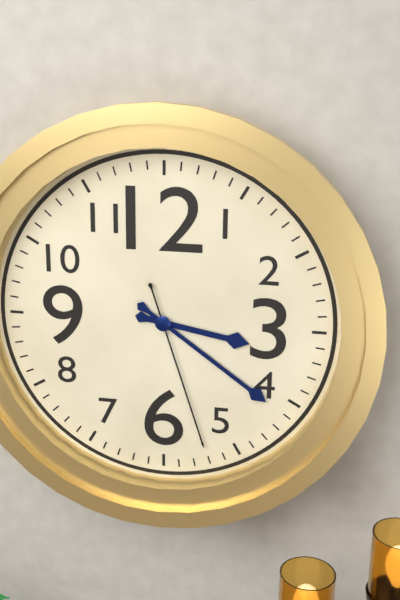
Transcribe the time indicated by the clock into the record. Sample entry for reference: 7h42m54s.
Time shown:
3h21m27s
